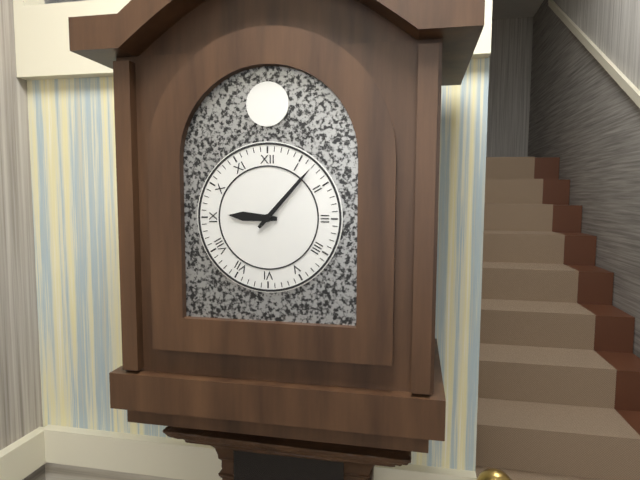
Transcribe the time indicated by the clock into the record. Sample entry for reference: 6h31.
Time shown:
9h07
